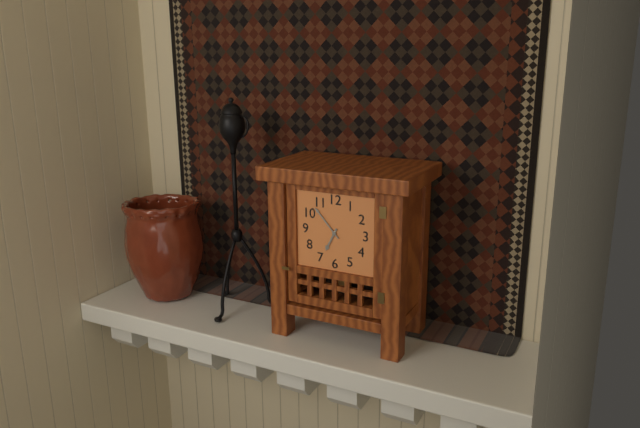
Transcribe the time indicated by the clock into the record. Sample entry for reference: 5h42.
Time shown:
6h53
